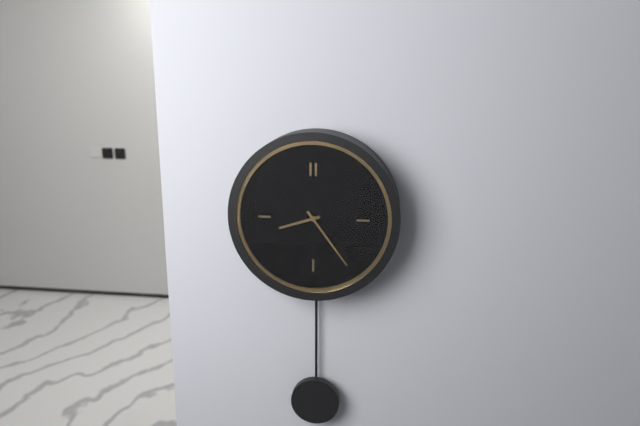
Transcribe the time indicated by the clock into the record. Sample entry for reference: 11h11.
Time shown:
8h24
